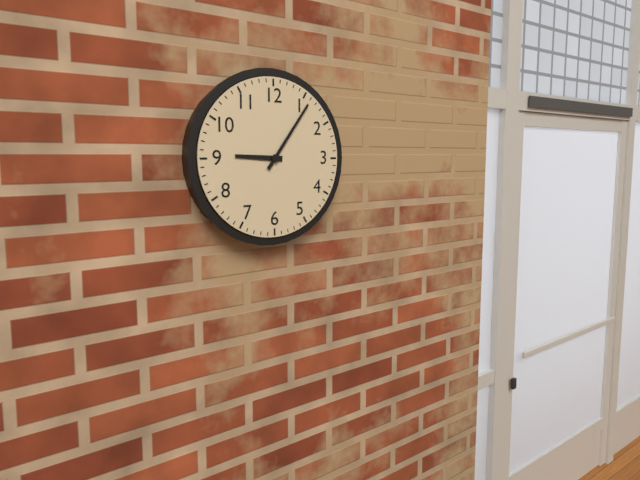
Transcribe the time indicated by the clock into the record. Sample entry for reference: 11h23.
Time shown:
9h06
